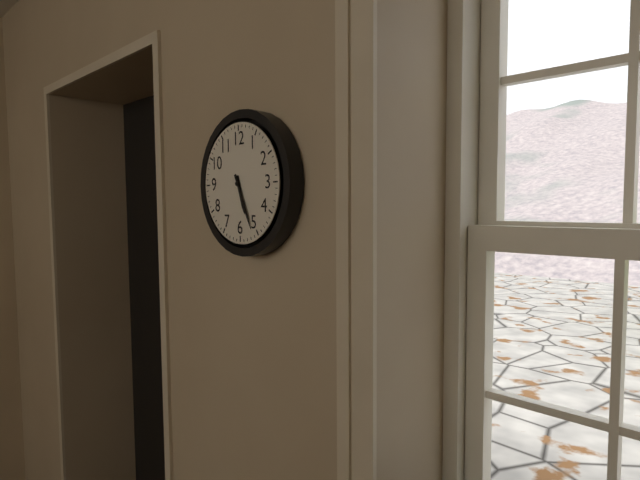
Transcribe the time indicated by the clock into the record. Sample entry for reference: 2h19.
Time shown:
5h26
